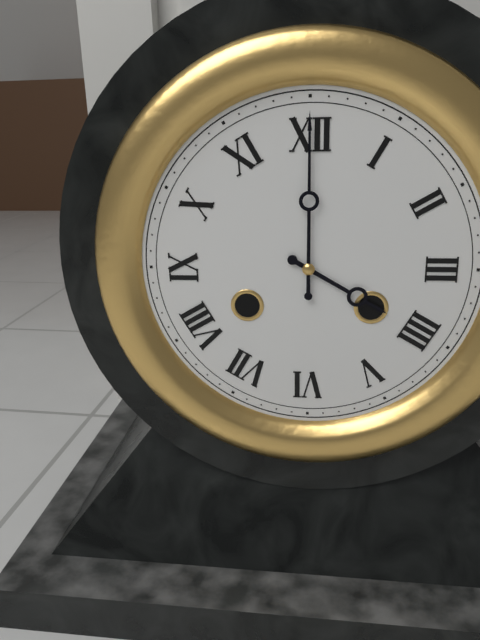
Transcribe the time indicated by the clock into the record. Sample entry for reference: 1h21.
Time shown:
4h00
